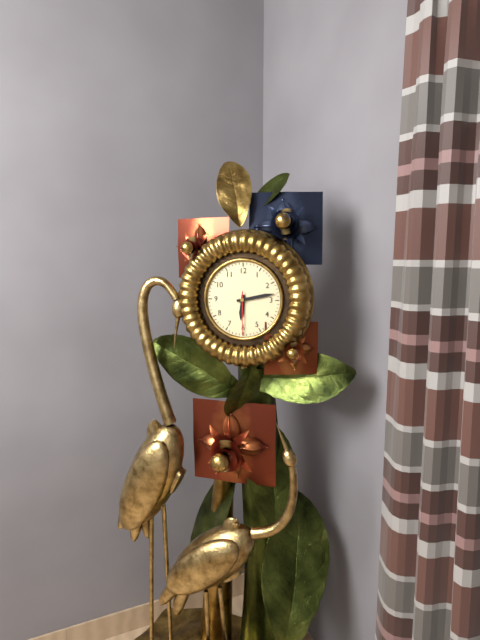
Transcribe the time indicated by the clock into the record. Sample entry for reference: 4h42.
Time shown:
6h13
